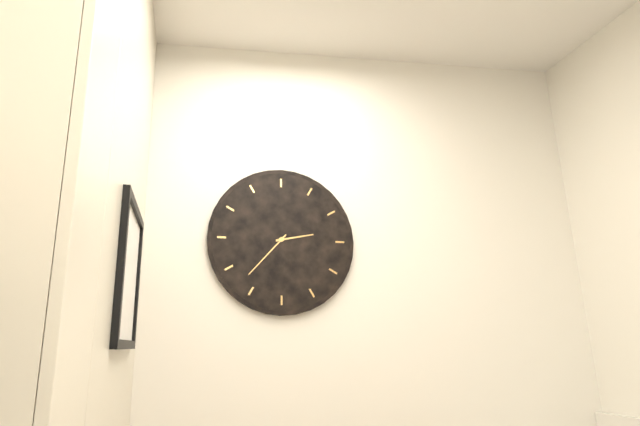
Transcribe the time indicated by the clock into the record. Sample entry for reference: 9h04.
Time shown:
2h37
